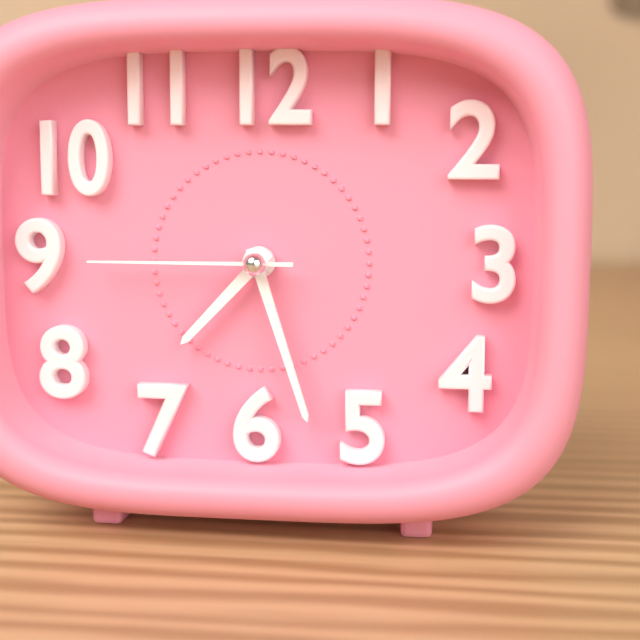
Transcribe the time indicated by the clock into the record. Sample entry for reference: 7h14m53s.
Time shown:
7h27m45s
